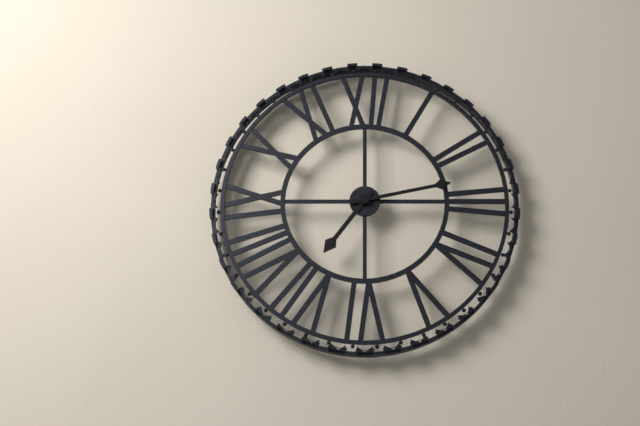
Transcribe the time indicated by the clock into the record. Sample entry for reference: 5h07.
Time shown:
7h13
